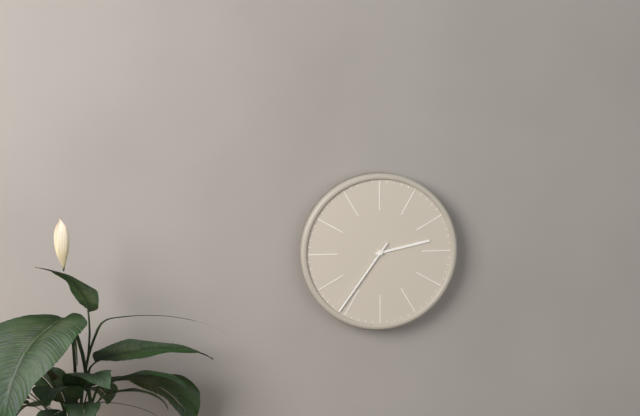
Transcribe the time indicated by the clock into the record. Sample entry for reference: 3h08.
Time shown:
2h36
